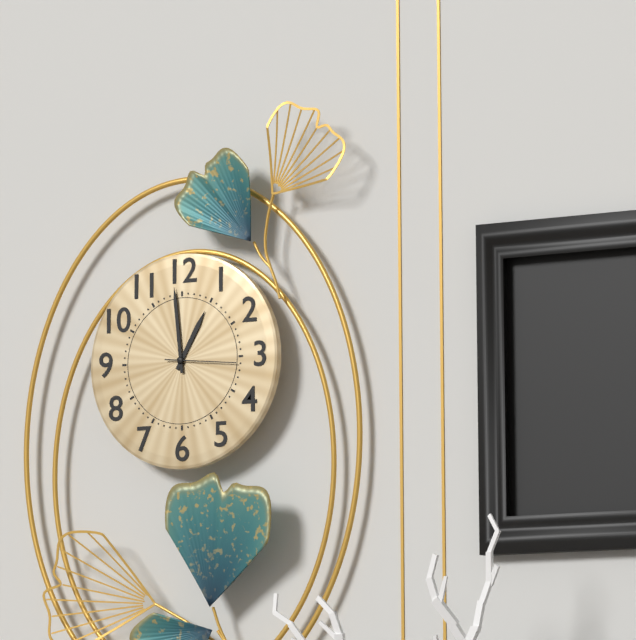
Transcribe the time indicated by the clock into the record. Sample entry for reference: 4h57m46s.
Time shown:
12h59m16s
